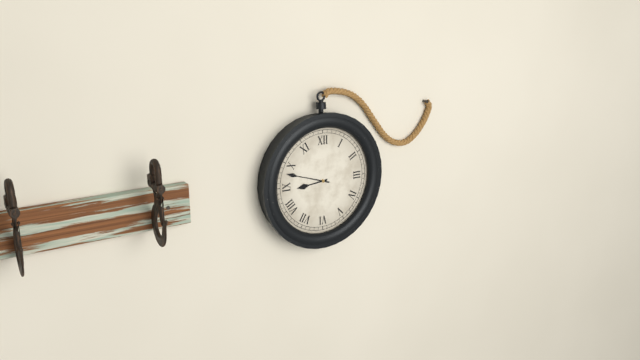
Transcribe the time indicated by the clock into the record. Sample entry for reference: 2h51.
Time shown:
8h48
